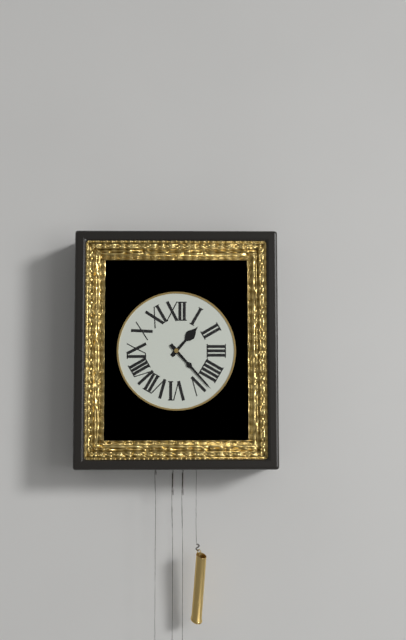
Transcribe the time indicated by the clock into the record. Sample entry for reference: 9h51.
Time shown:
1h23
